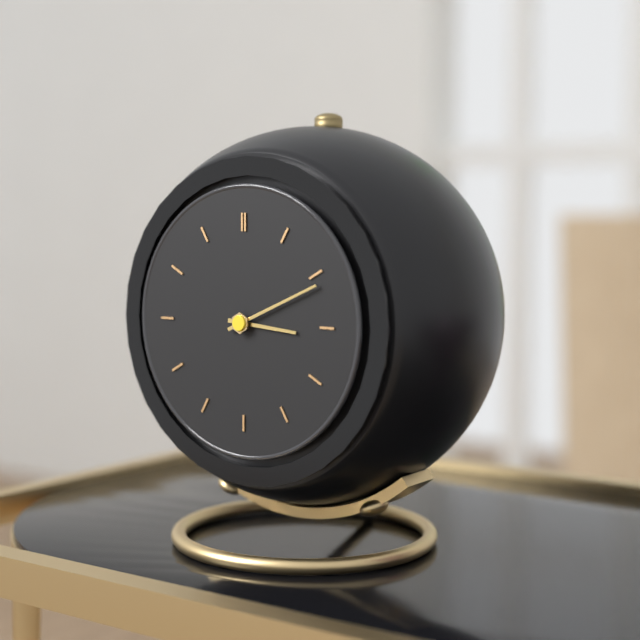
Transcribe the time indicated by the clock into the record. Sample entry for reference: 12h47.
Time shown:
3h11
